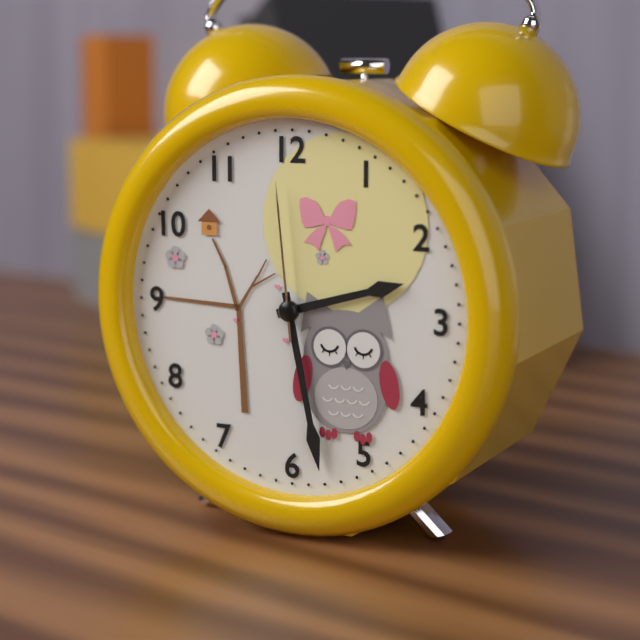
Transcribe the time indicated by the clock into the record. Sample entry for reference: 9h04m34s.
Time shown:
2h28m59s
